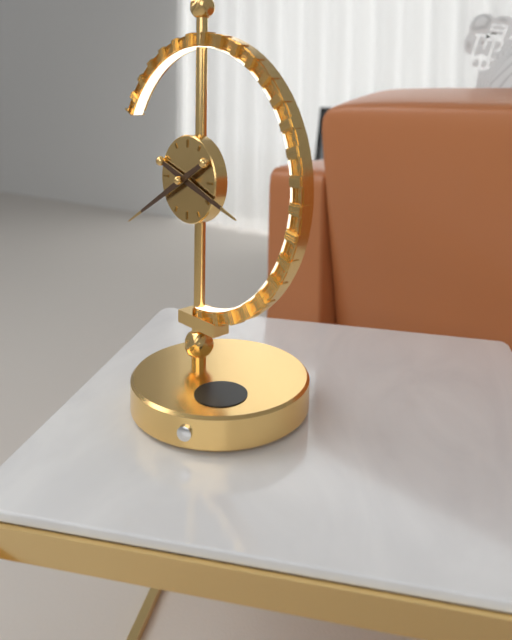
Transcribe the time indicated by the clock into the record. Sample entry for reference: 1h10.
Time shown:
3h40
